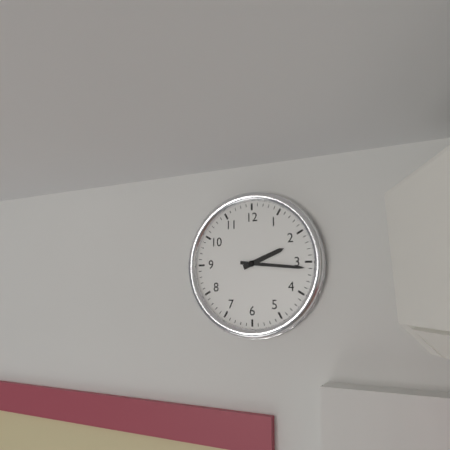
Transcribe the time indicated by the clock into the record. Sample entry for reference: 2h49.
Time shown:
2h16
